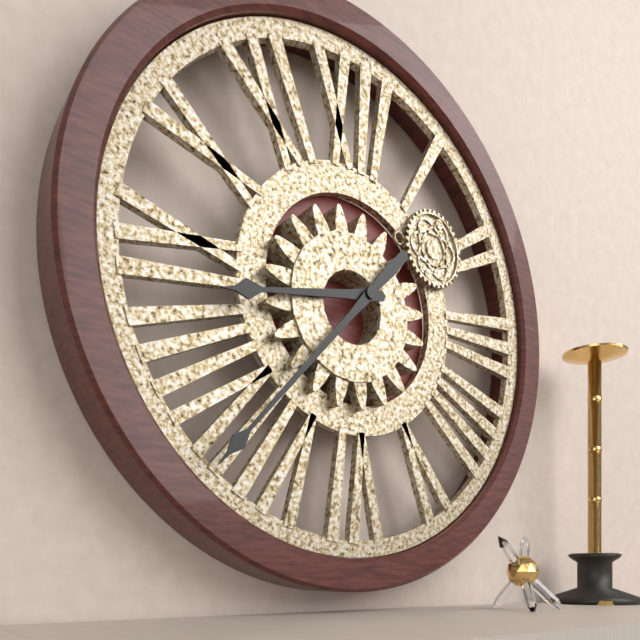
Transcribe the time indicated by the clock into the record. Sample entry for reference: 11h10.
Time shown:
8h37
